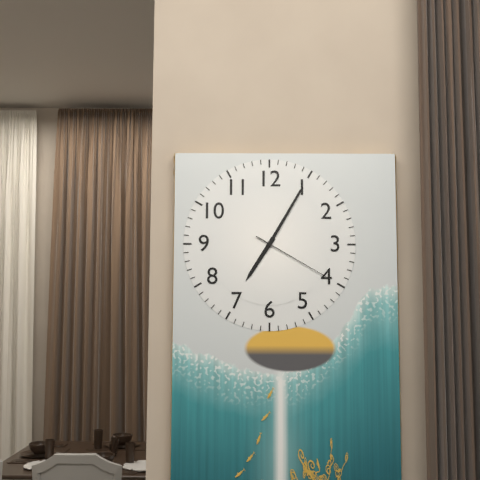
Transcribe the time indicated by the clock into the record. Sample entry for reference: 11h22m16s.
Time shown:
7h05m20s
